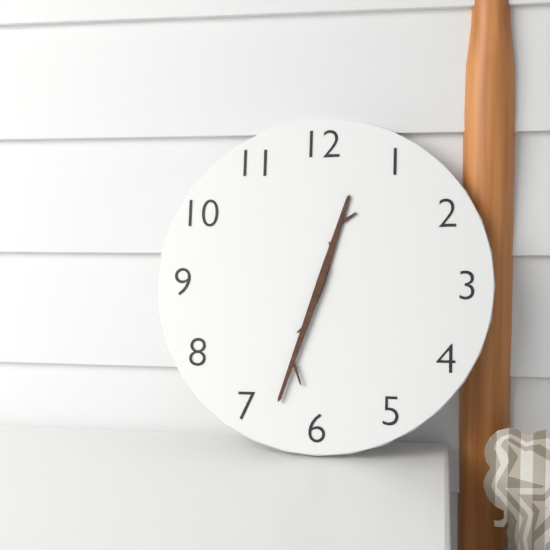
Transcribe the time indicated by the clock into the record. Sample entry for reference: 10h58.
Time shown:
12h33
